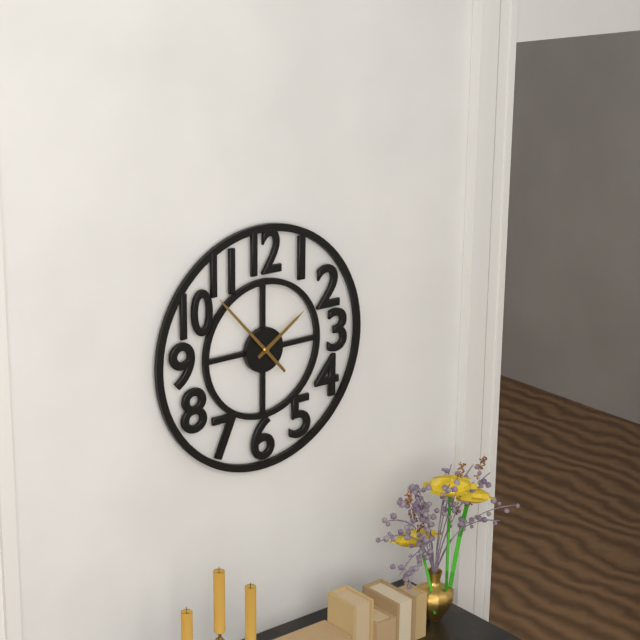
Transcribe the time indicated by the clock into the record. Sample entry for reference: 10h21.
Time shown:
1h53
